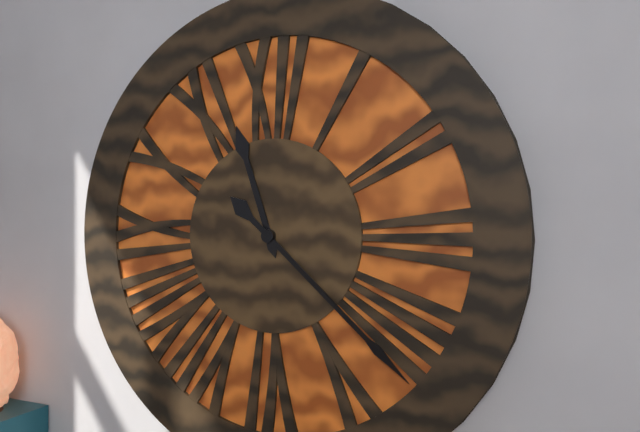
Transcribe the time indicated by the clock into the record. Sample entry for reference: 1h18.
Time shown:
11h22
